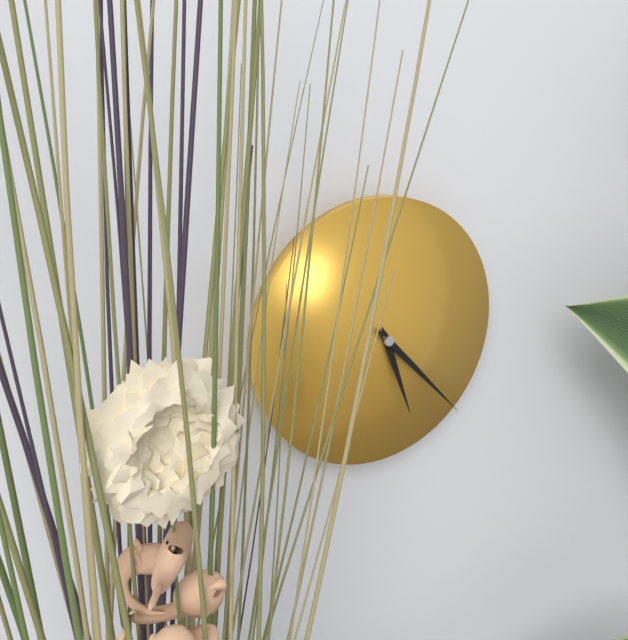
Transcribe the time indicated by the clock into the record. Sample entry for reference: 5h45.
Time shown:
5h23
